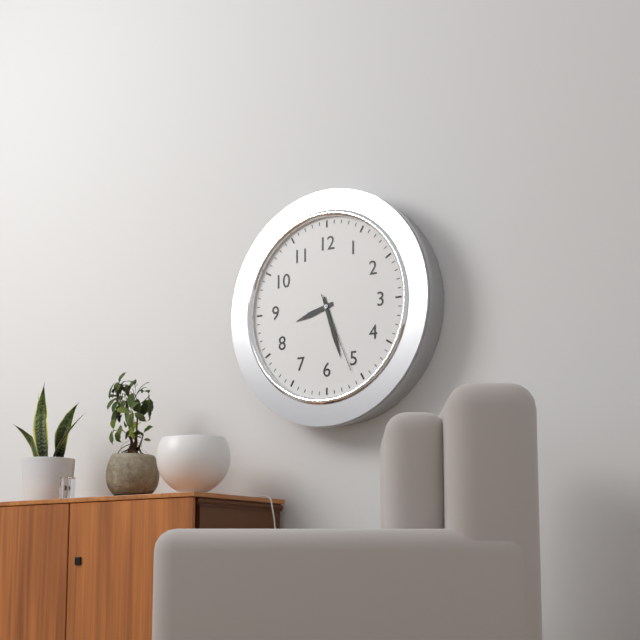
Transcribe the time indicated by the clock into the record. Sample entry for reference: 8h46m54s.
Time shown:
8h27m26s
